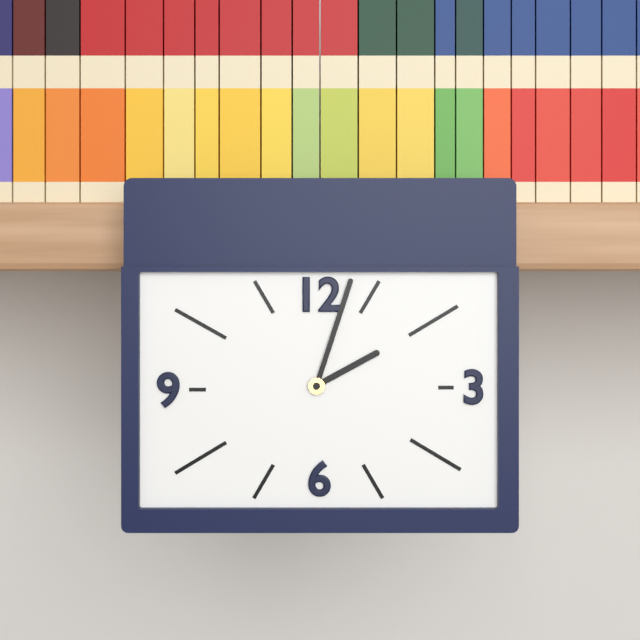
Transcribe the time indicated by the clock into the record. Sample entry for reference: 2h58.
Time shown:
2h03
